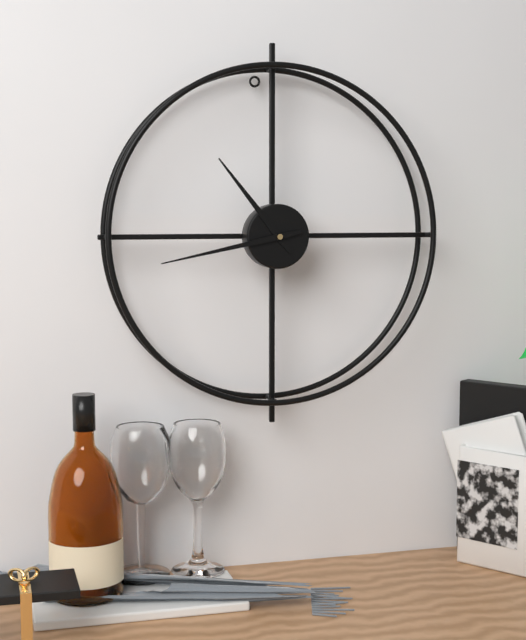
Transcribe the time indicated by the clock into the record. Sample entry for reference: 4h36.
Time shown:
10h43
